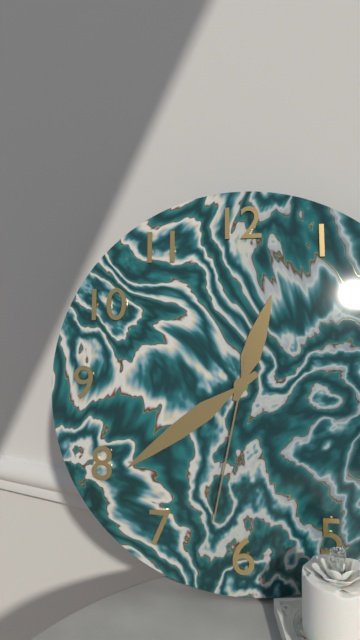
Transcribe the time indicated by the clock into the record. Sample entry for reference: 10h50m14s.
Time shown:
12h39m32s
